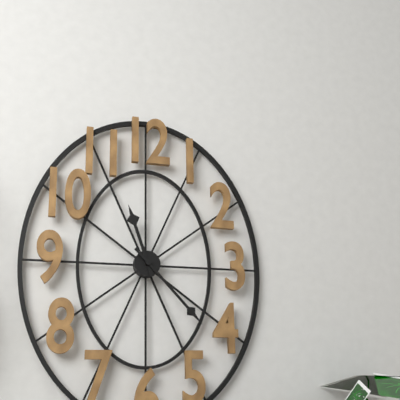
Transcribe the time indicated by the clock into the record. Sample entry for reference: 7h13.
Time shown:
11h23
